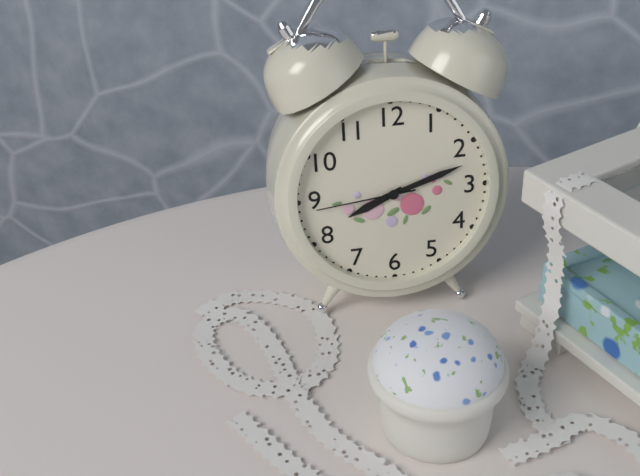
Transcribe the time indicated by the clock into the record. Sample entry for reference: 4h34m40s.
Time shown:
8h12m44s
